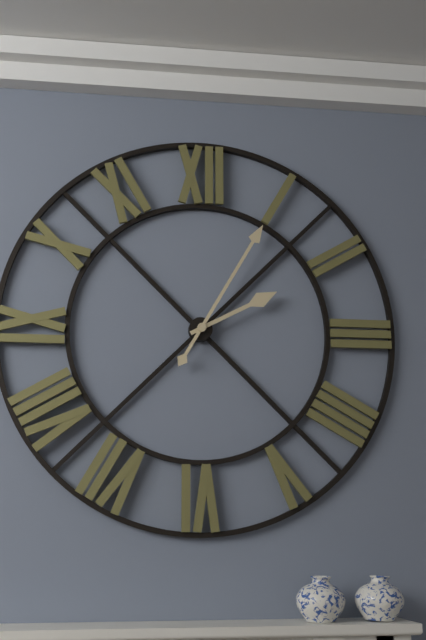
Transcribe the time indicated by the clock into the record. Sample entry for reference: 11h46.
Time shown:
2h05
